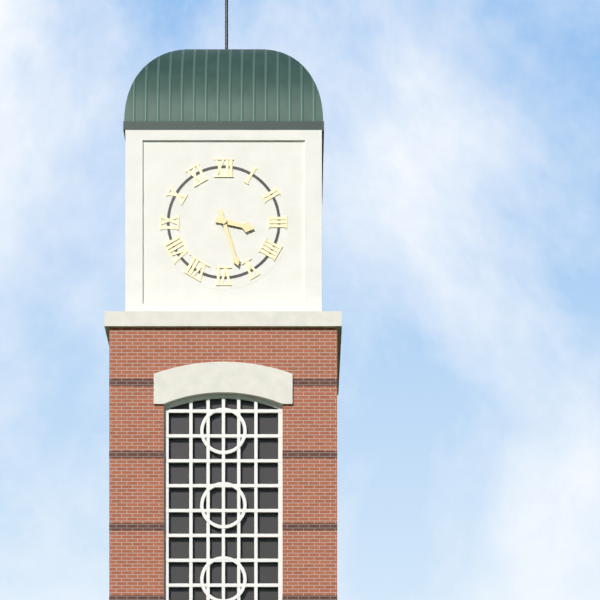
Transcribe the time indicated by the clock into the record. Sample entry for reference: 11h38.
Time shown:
3h27
